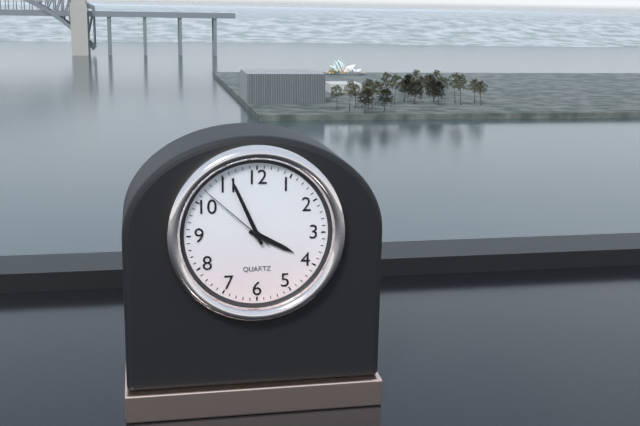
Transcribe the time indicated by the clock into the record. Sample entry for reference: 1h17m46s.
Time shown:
3h56m52s
